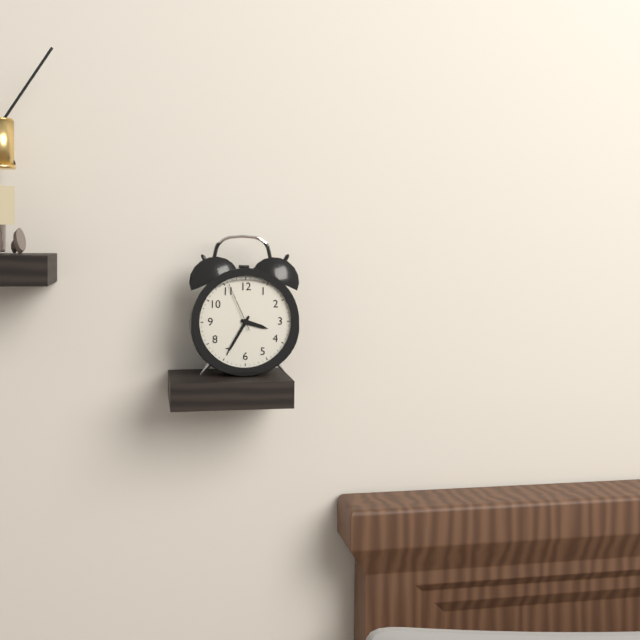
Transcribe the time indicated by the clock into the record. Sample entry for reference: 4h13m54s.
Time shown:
3h35m56s
